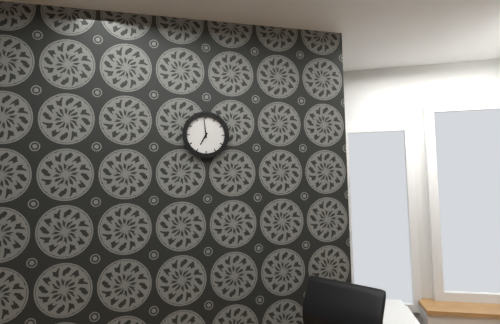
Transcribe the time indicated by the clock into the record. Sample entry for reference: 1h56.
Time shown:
6h59
